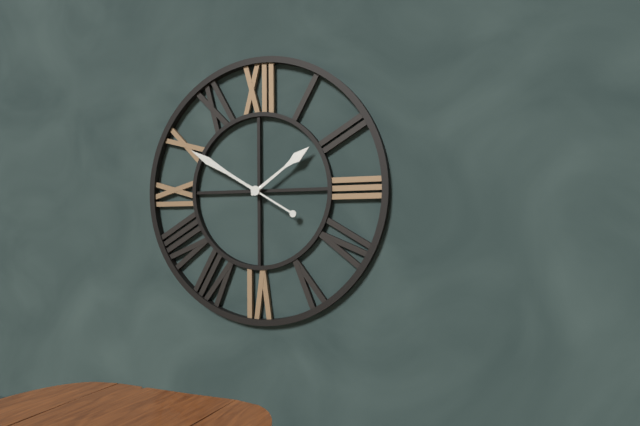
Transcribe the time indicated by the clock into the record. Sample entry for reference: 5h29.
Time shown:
1h50
